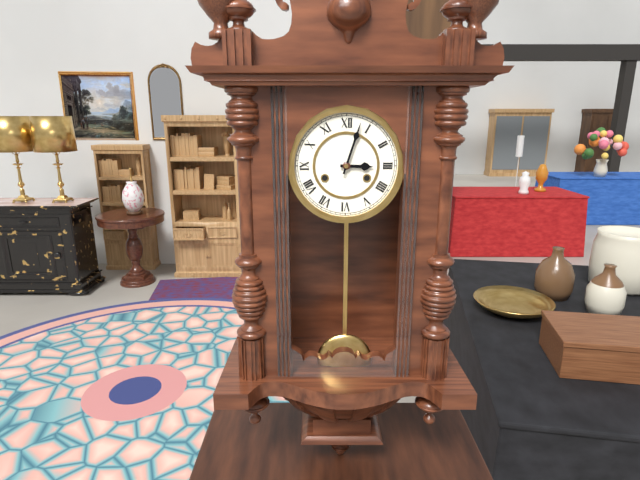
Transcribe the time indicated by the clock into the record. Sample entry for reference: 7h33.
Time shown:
3h03
